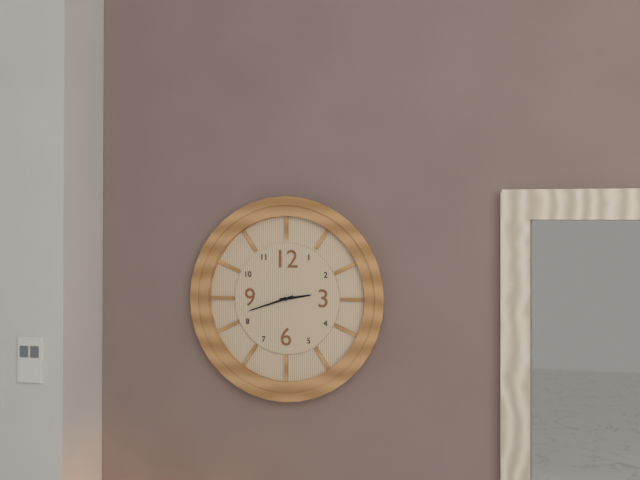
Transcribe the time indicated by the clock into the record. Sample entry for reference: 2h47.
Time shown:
2h42
